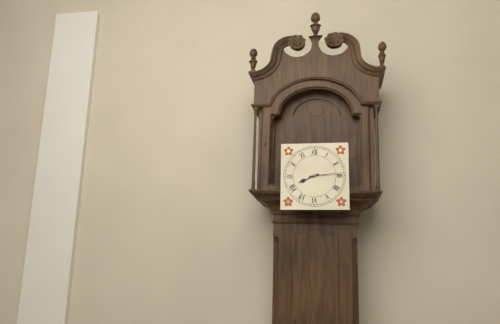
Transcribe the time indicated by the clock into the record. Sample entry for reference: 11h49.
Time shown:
8h14
